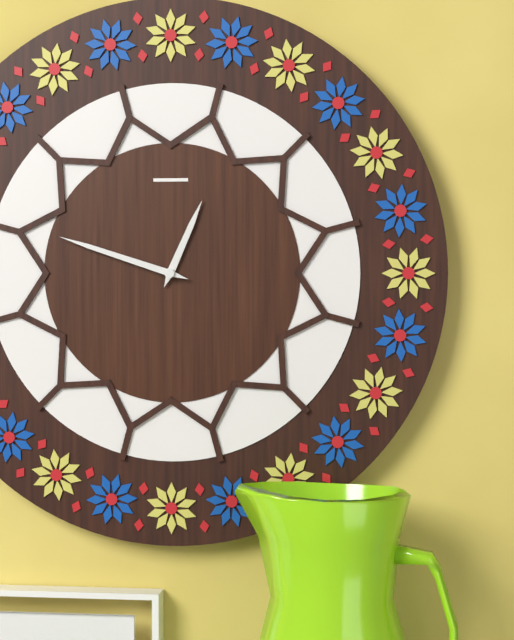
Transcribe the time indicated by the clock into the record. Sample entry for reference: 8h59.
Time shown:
12h48
